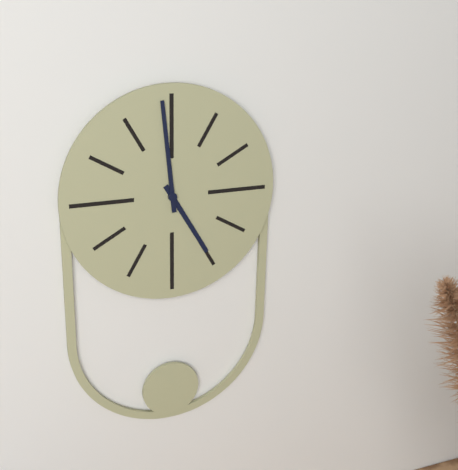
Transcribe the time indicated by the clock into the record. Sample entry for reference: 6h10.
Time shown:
4h59
